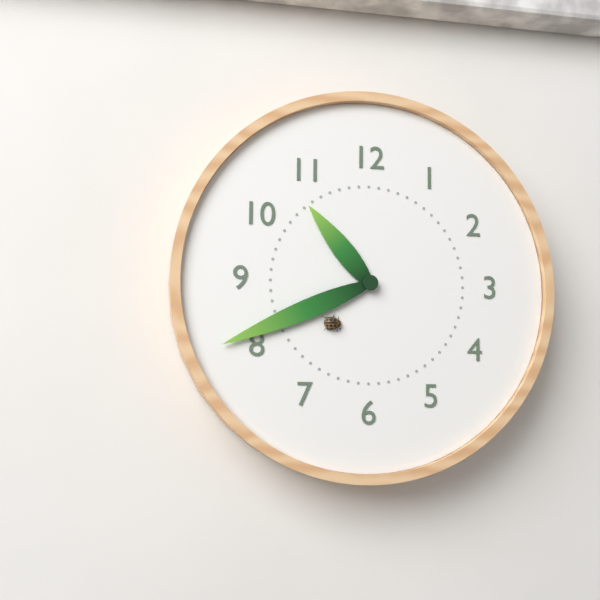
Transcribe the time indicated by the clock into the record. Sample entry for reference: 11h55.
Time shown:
10h41
